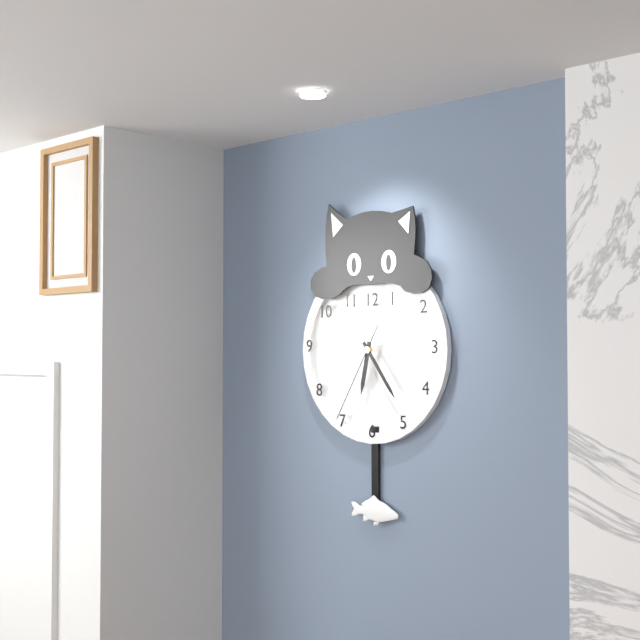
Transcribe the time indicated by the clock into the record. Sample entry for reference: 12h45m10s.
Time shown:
6h24m35s
